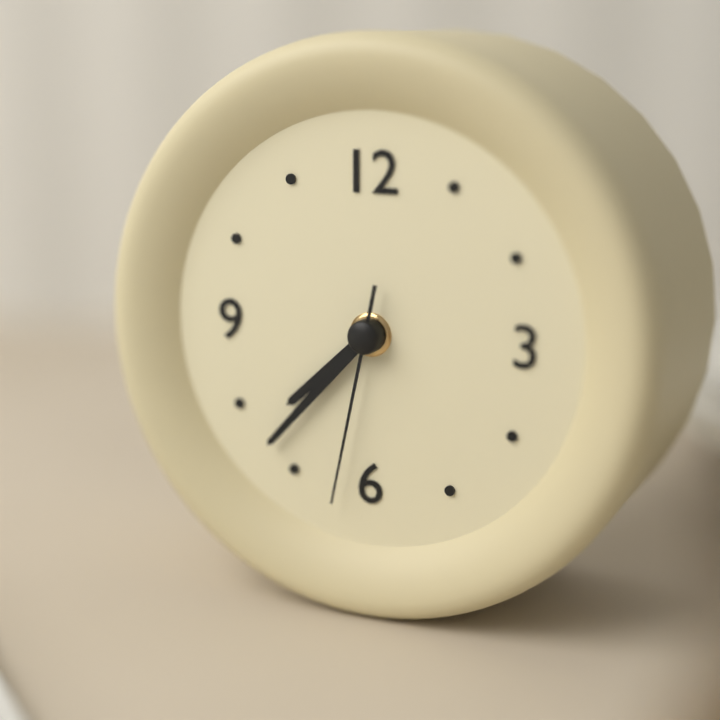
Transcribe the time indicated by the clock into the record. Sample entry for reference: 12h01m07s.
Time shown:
7h37m32s
